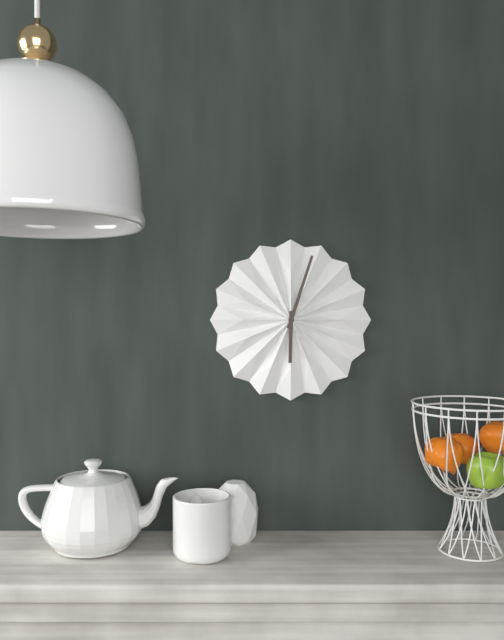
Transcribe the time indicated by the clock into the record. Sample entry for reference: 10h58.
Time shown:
6h03
